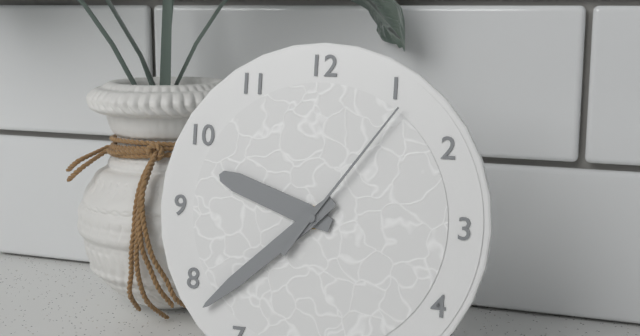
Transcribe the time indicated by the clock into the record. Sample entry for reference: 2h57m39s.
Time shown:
9h38m06s
